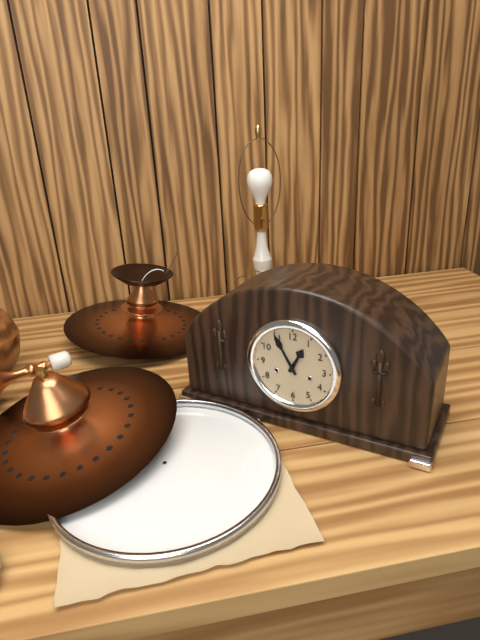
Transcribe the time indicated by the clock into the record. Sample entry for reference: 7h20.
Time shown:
12h55
